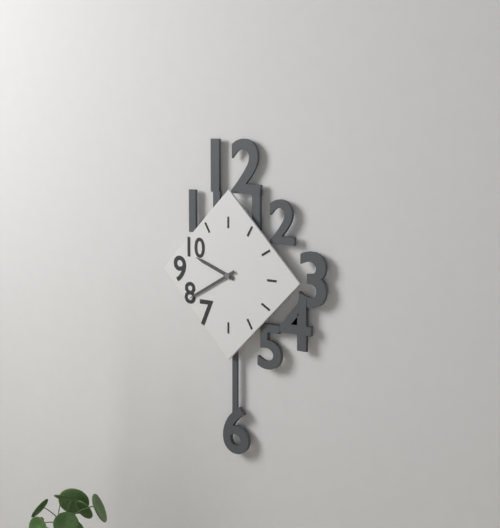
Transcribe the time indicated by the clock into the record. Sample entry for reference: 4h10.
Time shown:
9h40
